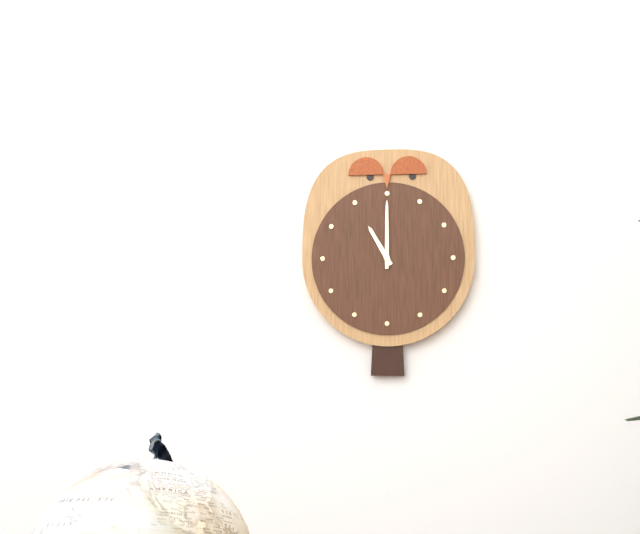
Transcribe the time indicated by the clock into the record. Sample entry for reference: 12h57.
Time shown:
11h00
